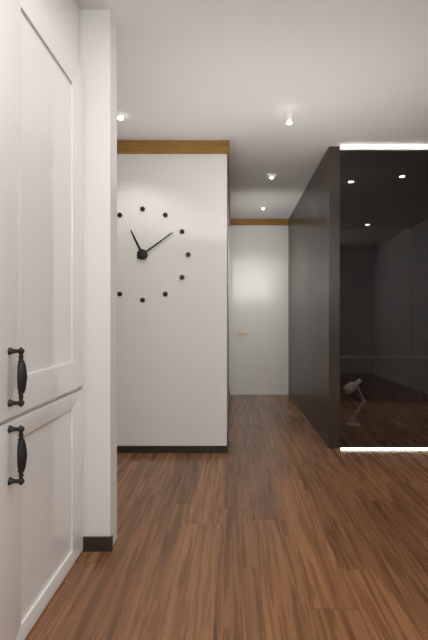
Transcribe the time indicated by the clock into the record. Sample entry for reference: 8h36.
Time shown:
11h09
